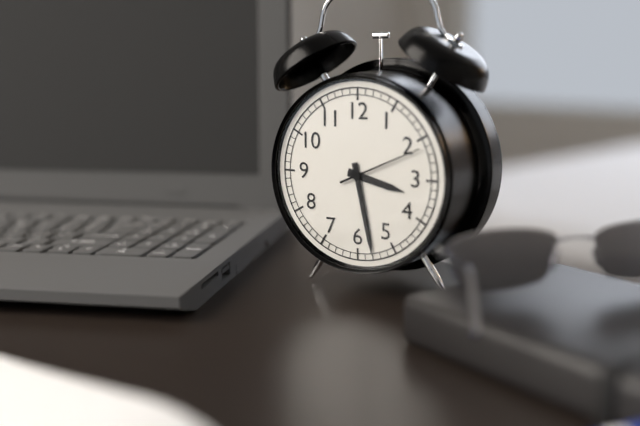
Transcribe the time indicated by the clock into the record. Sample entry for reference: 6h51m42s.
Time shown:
3h28m11s
